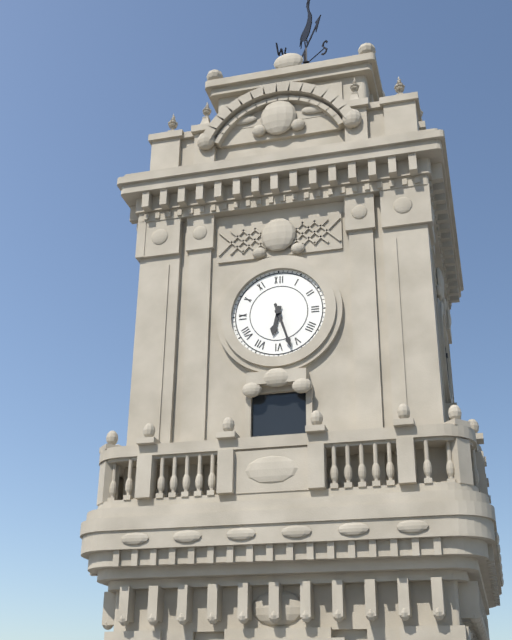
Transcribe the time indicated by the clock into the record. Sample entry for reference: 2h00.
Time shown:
6h27
